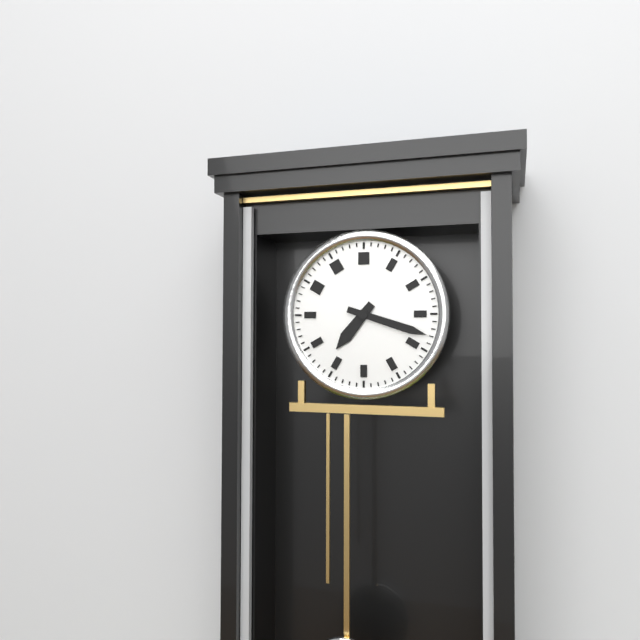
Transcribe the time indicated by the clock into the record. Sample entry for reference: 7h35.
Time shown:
7h18
